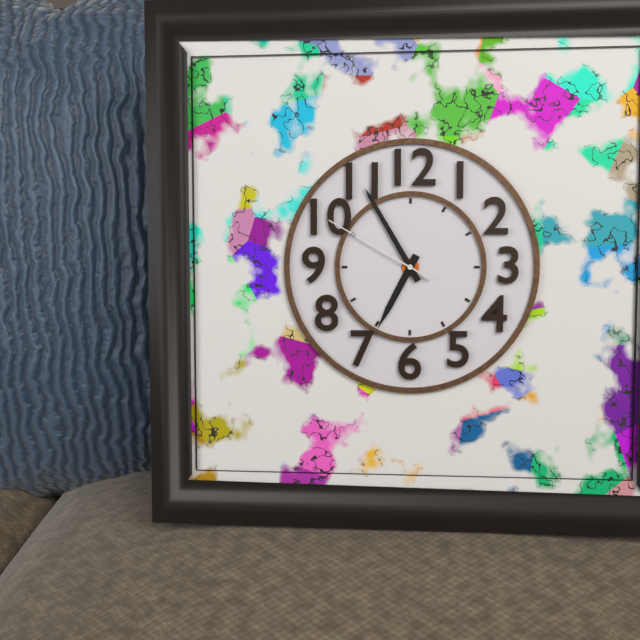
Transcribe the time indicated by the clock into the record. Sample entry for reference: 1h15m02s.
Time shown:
6h55m50s
